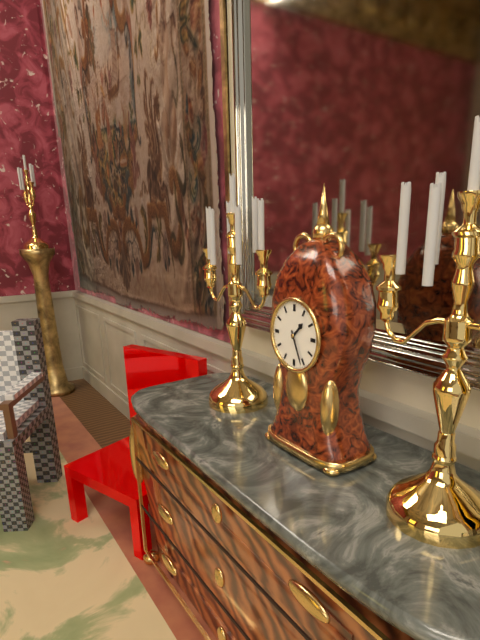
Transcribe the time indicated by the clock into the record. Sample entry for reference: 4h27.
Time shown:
1h26
